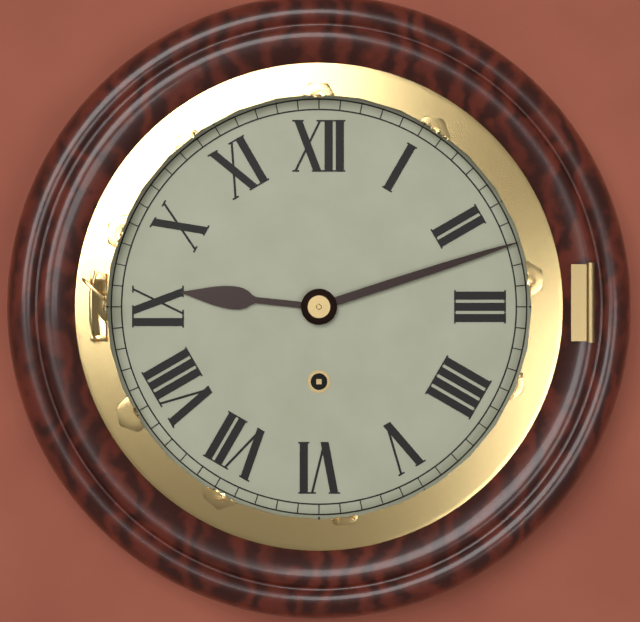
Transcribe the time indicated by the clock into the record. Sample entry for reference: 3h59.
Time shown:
9h12
